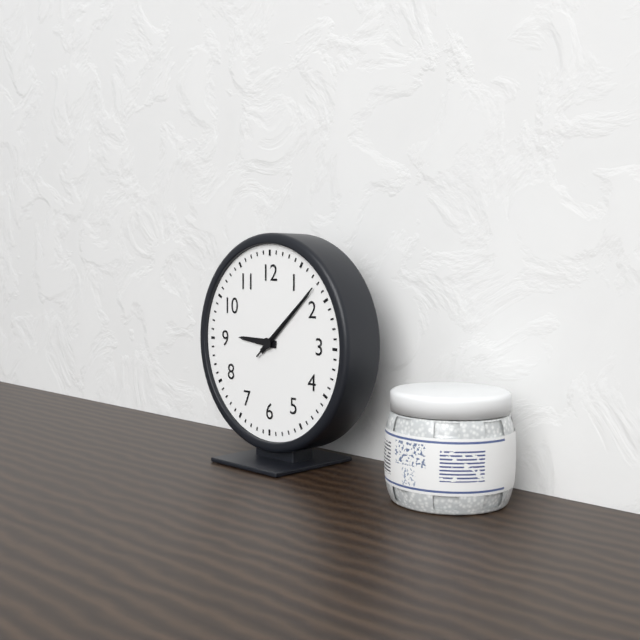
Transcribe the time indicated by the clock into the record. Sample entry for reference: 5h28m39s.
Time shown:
9h08m08s
